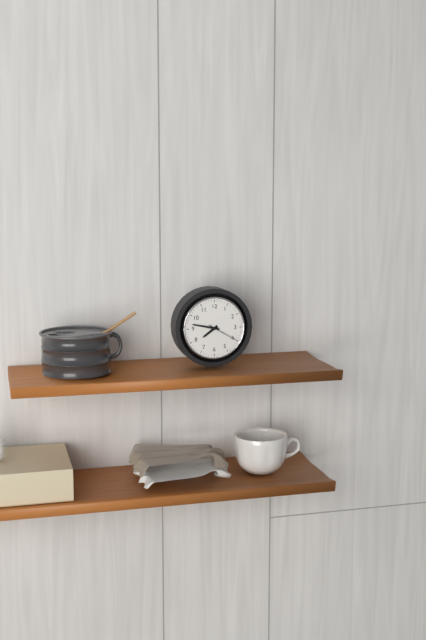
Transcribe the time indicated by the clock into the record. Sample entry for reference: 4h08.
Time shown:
7h47
